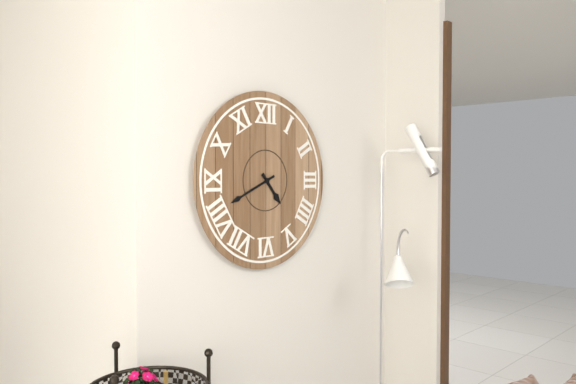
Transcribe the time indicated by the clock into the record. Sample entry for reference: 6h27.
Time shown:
4h41
